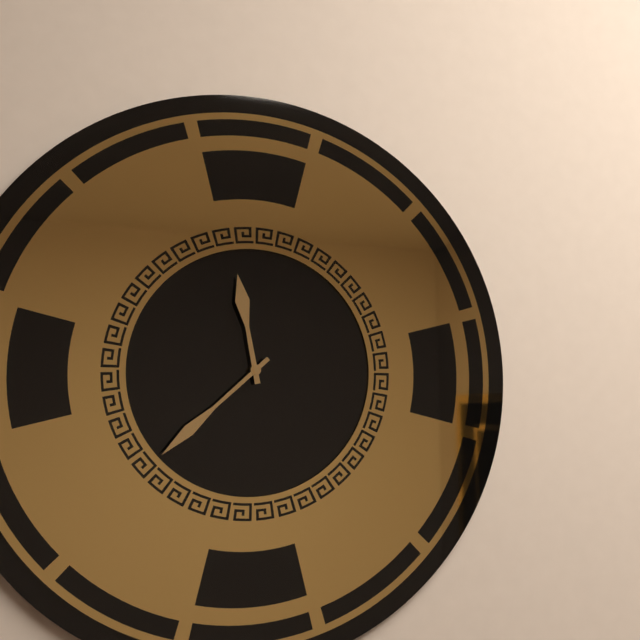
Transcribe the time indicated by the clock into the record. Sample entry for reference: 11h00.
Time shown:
11h38
